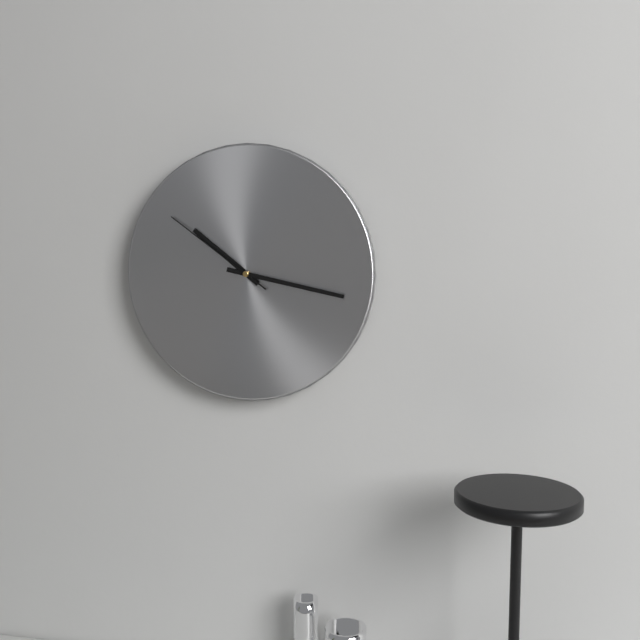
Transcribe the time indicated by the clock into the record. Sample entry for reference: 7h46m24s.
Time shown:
10h17m51s
